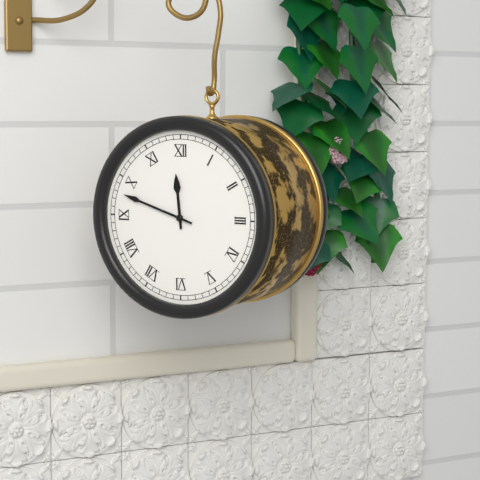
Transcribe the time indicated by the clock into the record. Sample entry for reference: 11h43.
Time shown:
11h48
